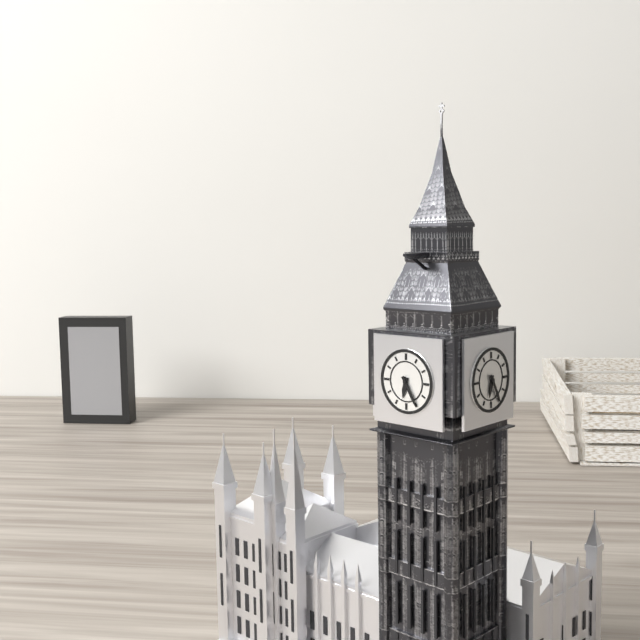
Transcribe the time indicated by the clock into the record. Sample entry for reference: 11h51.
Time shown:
6h25
